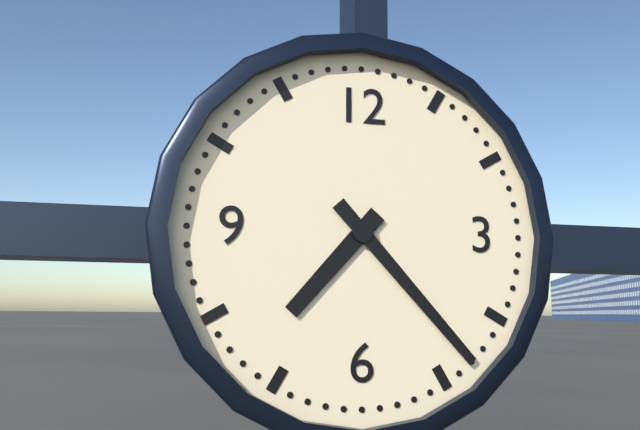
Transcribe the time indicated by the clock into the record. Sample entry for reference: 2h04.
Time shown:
7h23
